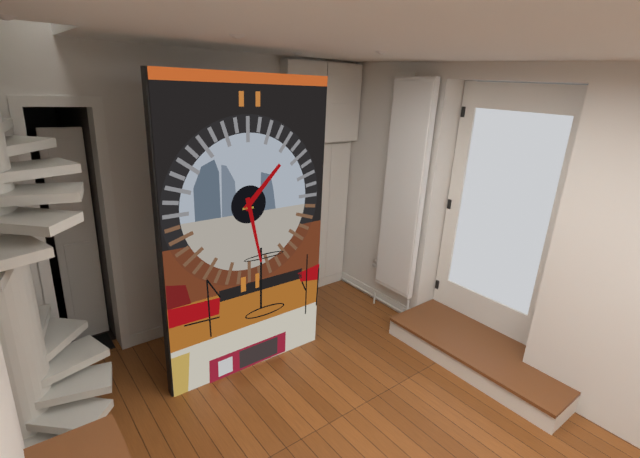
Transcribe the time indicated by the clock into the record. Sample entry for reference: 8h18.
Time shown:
1h28
